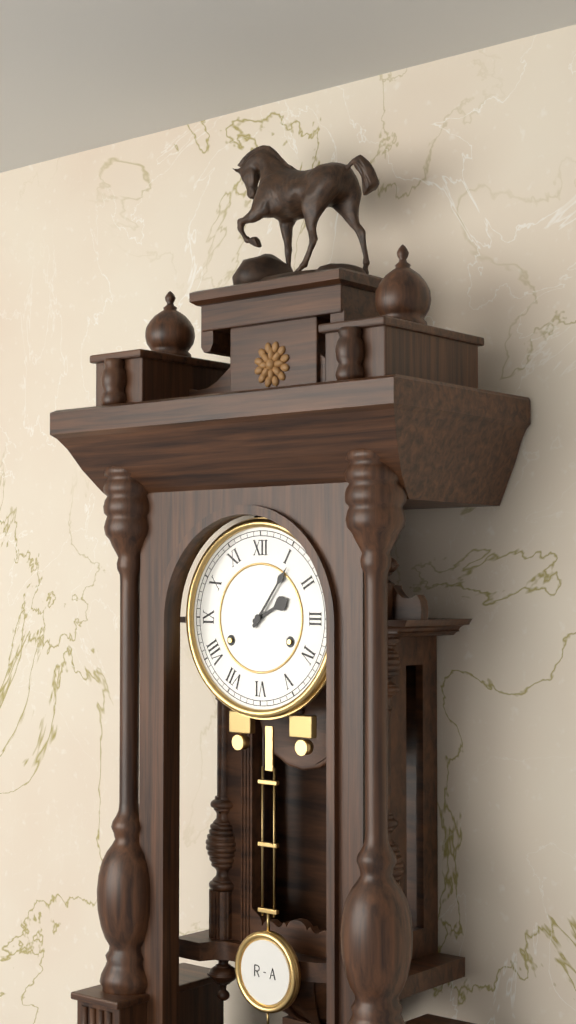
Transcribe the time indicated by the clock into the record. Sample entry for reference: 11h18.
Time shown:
2h06
